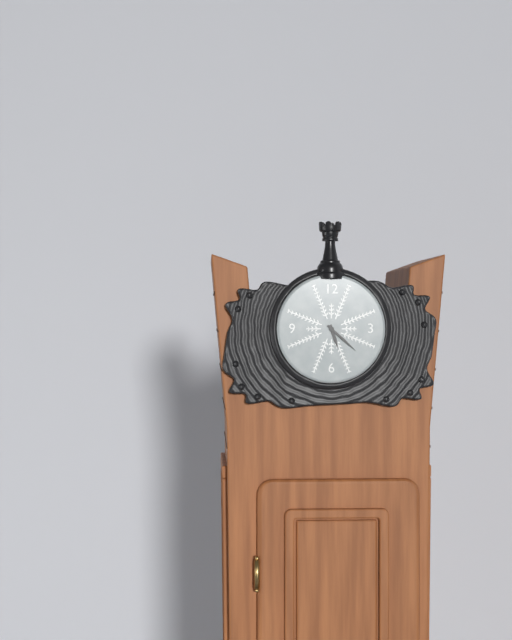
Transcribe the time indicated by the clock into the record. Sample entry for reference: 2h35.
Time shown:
5h22
